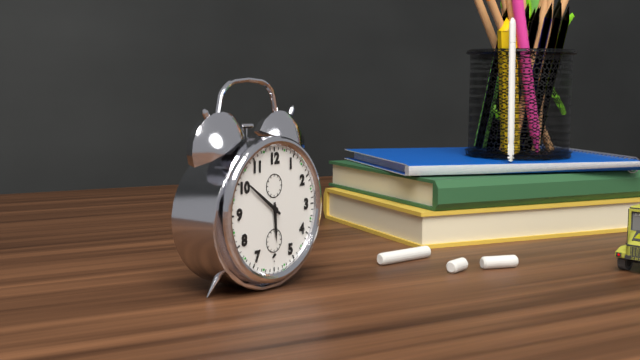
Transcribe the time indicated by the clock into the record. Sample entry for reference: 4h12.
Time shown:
5h51
